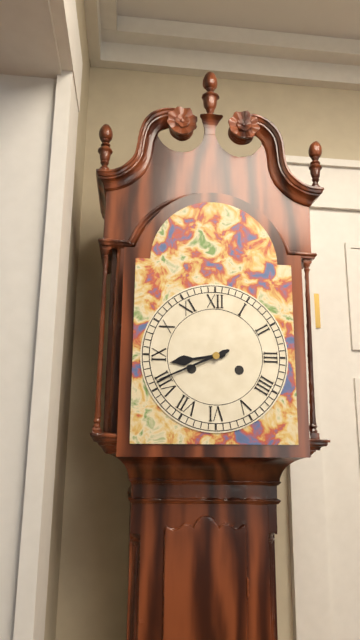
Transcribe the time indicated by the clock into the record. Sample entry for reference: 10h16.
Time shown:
8h41
